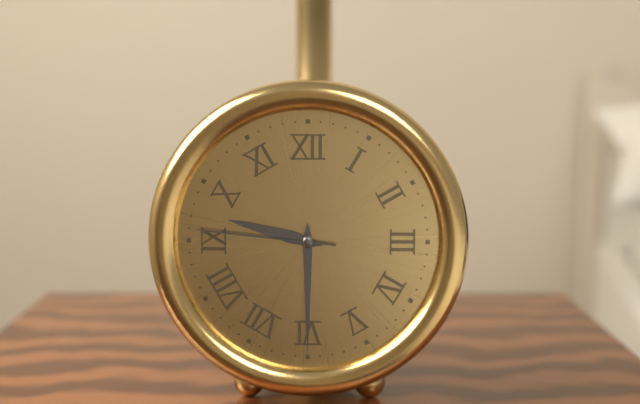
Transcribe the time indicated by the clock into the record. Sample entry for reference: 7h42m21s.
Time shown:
9h30m46s
